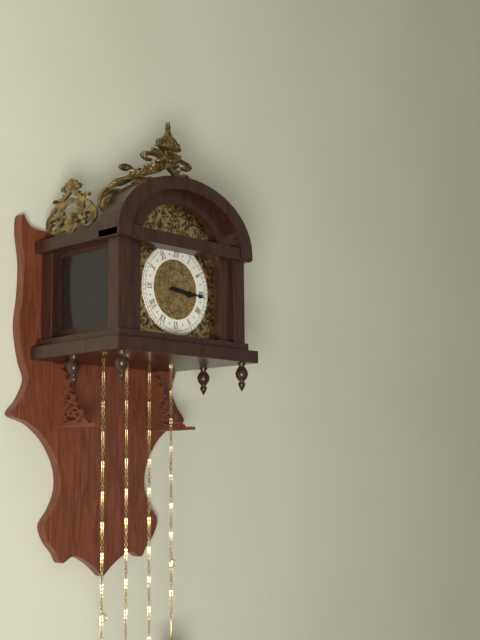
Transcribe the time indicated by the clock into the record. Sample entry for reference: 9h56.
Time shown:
3h16
